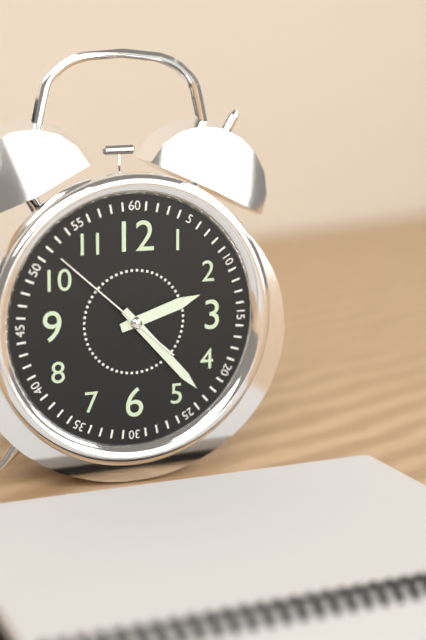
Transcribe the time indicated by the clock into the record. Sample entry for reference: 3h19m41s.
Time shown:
2h23m52s
